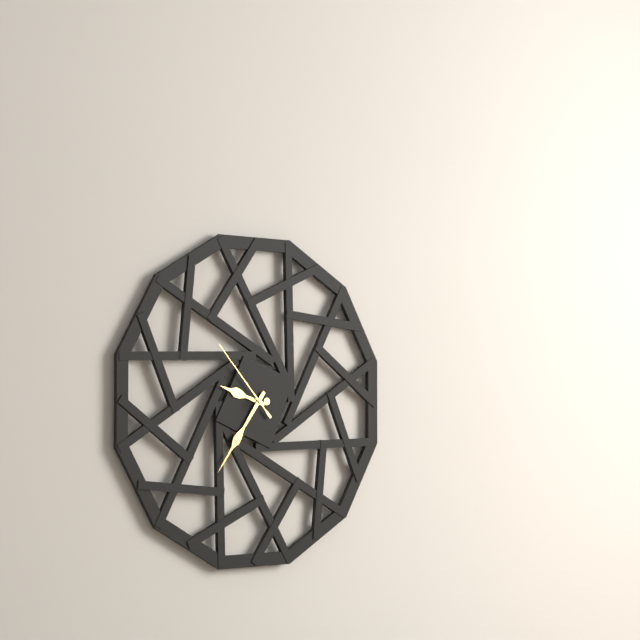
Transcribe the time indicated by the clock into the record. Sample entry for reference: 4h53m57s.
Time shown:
9h36m53s
